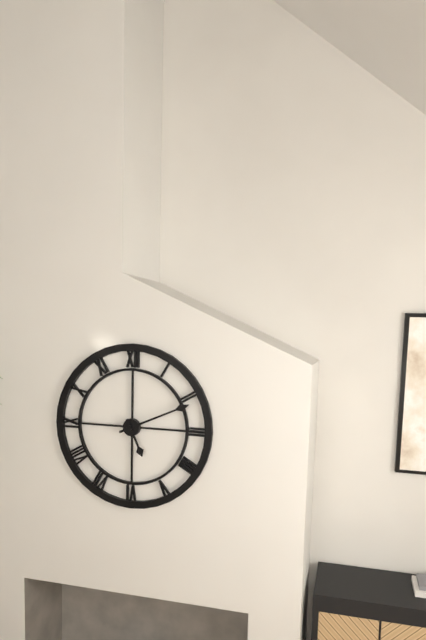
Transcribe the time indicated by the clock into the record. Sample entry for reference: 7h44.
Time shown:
5h11
